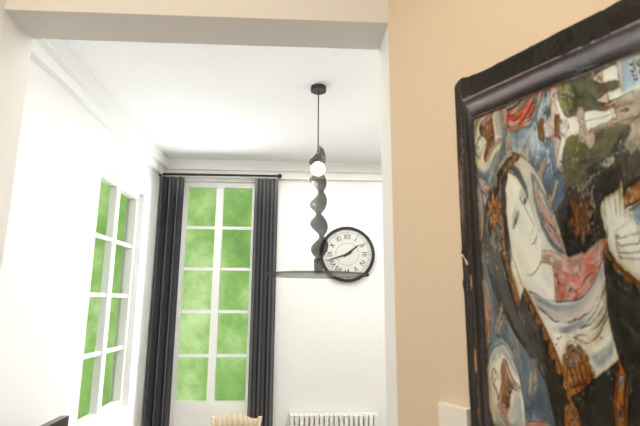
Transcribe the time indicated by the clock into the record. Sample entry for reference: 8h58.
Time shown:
1h42
